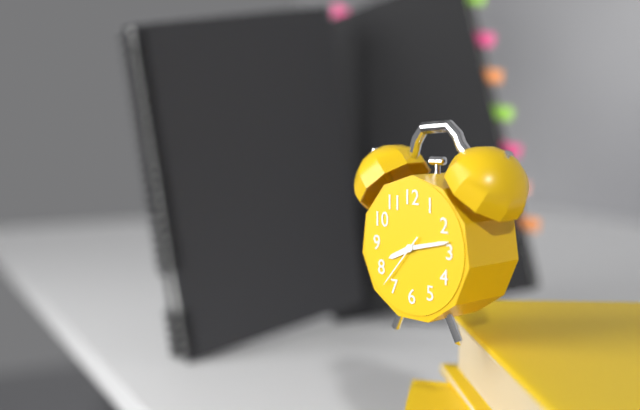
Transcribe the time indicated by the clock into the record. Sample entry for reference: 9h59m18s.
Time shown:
8h13m37s
